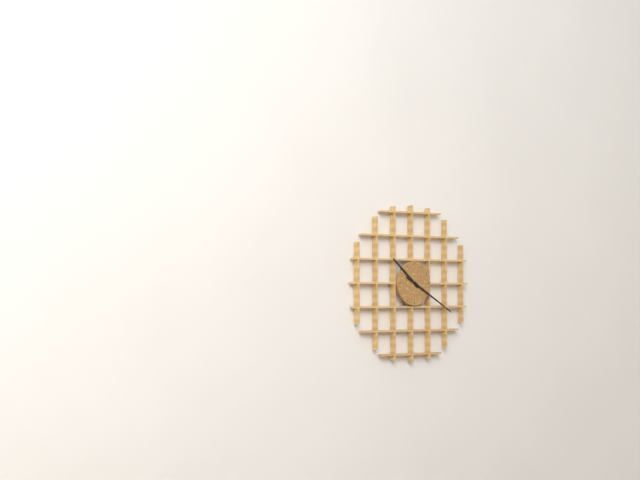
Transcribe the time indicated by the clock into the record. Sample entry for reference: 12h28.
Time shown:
10h20
